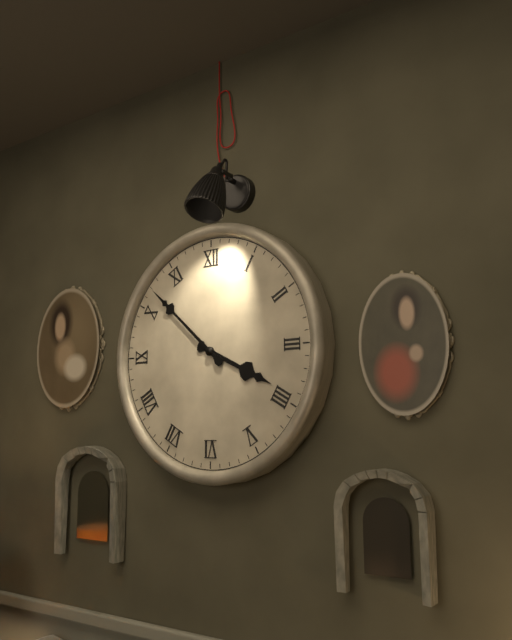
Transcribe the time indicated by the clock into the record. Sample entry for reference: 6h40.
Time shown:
3h52
